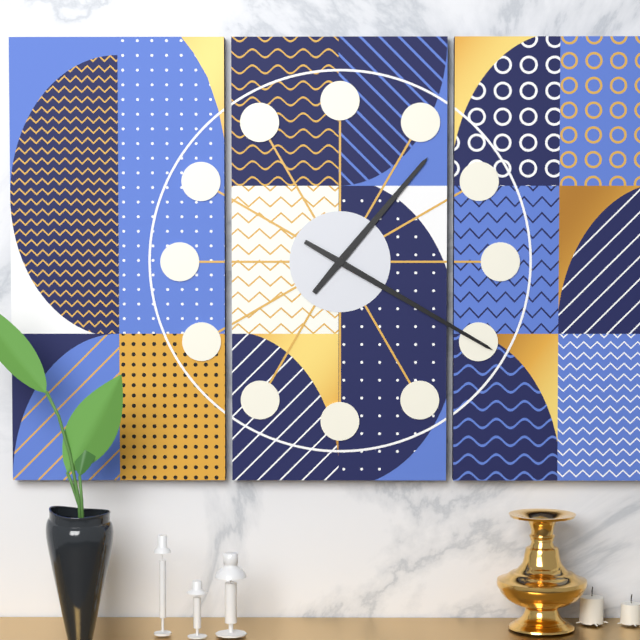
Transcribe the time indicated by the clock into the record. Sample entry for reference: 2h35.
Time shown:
1h20
